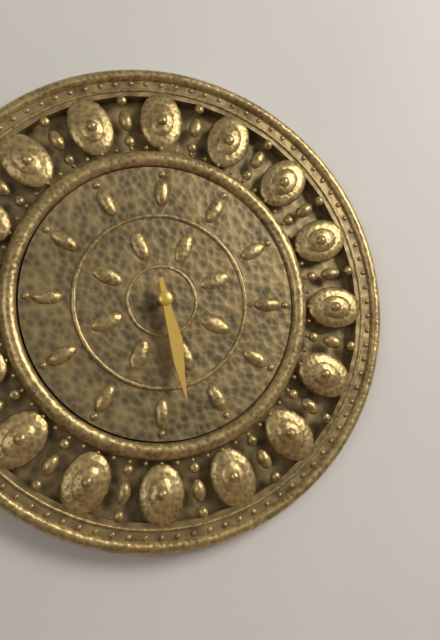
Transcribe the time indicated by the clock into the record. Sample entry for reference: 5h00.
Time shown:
5h28
